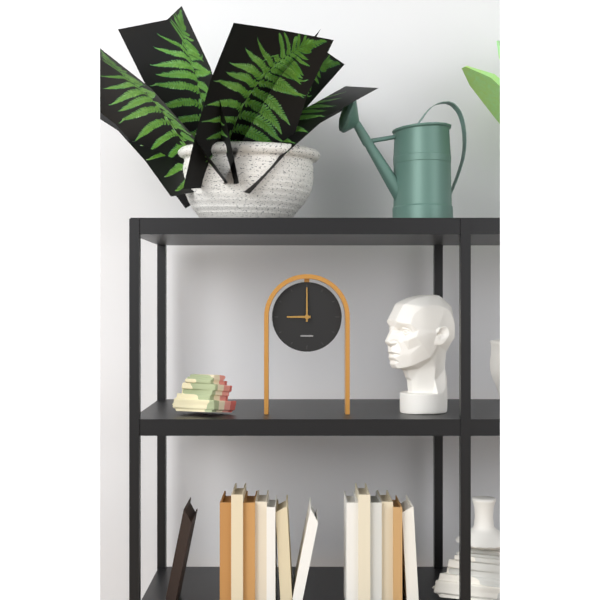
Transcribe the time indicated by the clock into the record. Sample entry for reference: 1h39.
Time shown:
9h00
